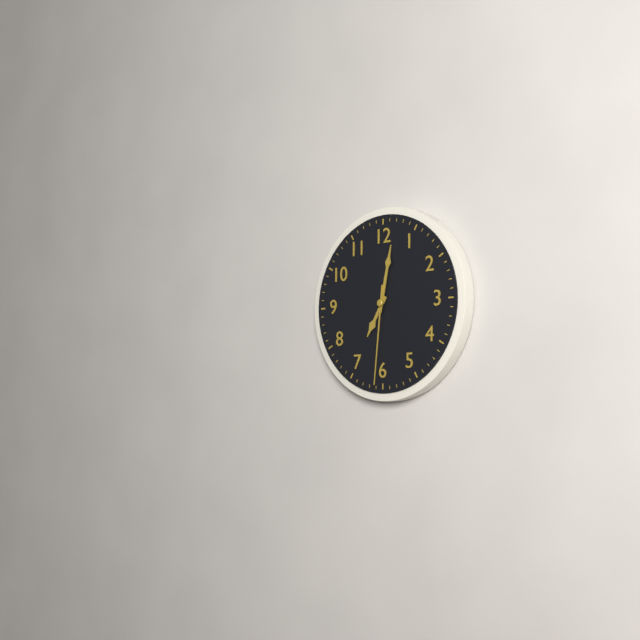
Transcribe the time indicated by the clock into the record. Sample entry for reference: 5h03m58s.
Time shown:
7h02m31s
